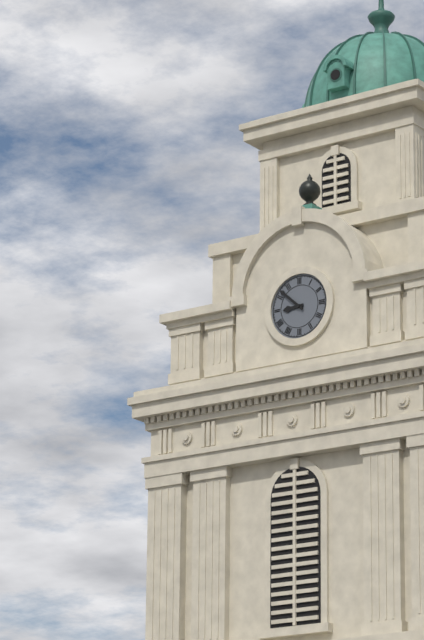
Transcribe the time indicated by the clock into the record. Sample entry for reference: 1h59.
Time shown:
8h52
